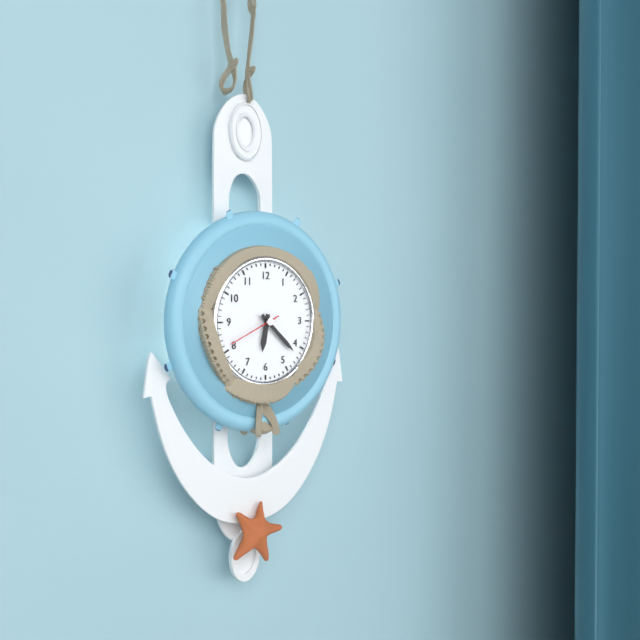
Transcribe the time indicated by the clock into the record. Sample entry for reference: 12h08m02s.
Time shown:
6h22m41s
